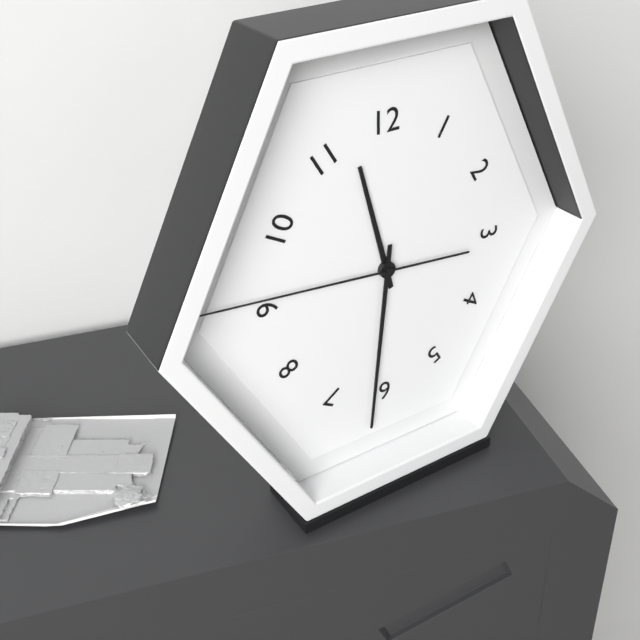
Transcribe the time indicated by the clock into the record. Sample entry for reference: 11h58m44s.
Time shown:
11h31m46s
